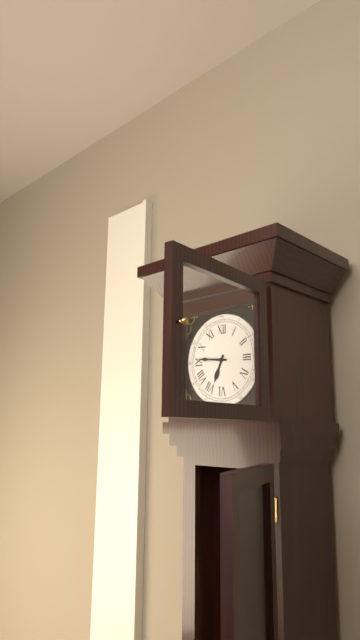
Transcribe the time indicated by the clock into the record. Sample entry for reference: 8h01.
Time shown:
6h46
